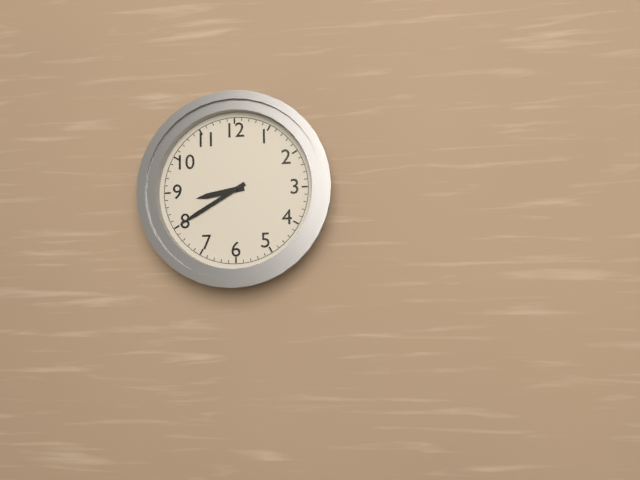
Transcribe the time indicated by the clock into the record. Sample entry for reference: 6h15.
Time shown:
8h40
